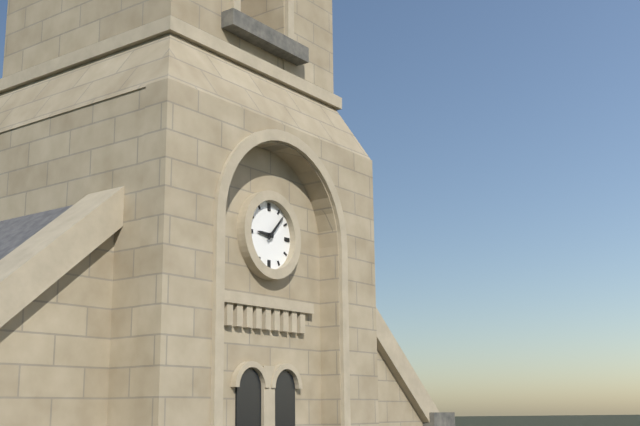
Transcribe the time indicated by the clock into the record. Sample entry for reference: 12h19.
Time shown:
9h07
